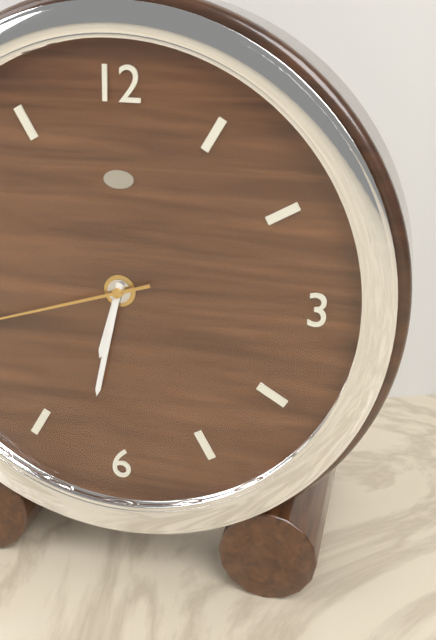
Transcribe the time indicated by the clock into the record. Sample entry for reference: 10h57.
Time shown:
6h32
